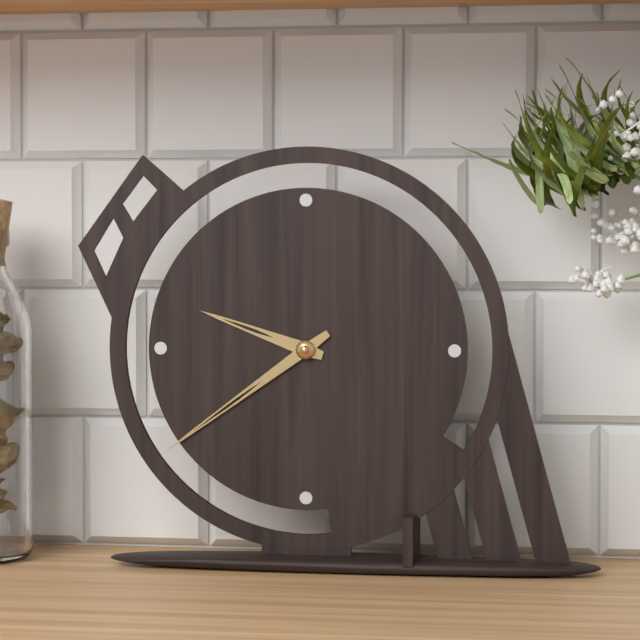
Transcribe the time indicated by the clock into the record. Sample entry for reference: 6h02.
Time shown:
9h39
